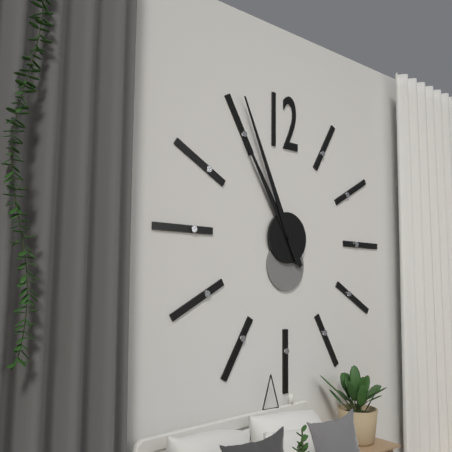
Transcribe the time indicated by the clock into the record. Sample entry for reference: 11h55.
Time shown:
10h56
